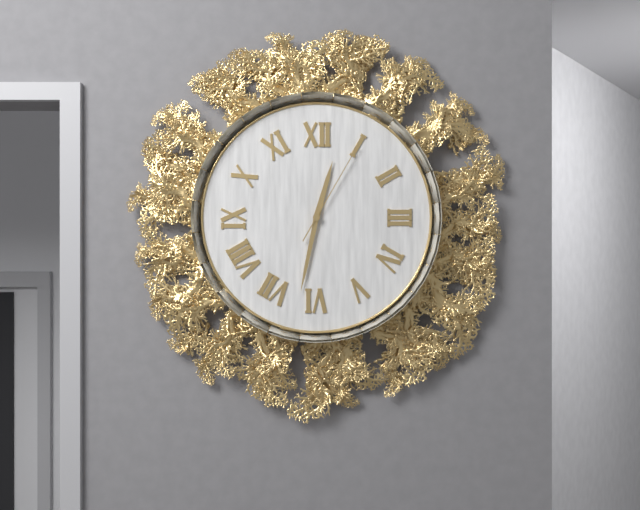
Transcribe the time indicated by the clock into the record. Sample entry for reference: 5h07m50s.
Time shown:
12h32m05s
